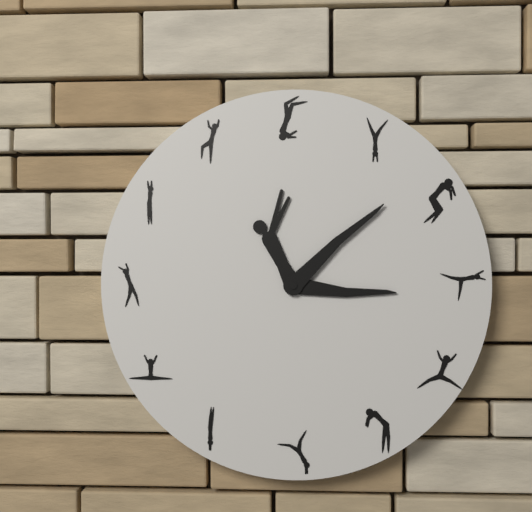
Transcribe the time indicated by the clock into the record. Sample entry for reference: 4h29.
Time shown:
3h08
